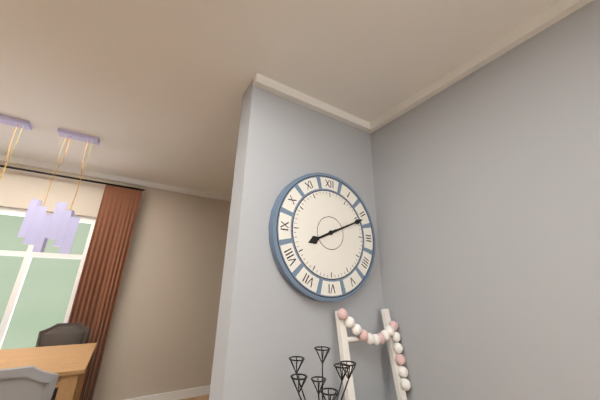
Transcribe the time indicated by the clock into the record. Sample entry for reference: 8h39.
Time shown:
8h11
